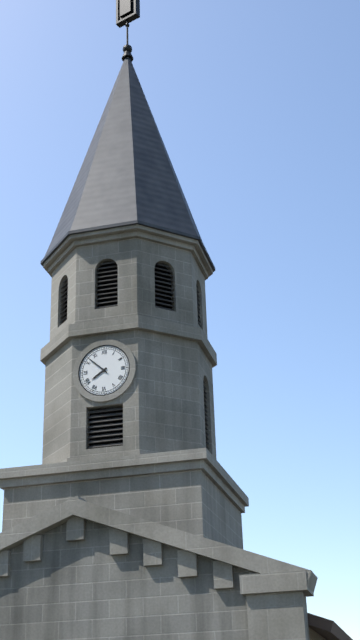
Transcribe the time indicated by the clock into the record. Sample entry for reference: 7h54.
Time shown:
7h52
